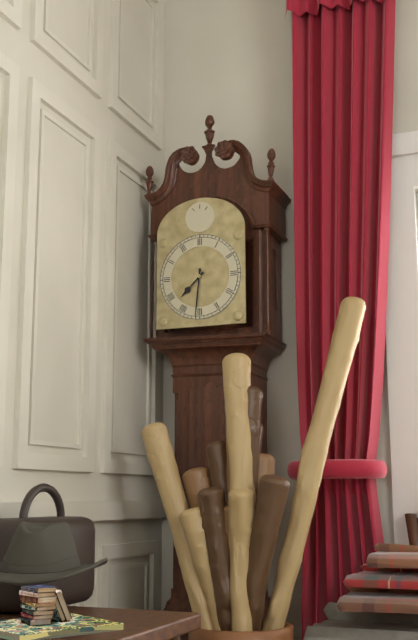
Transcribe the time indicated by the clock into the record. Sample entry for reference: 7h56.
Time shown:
7h31
